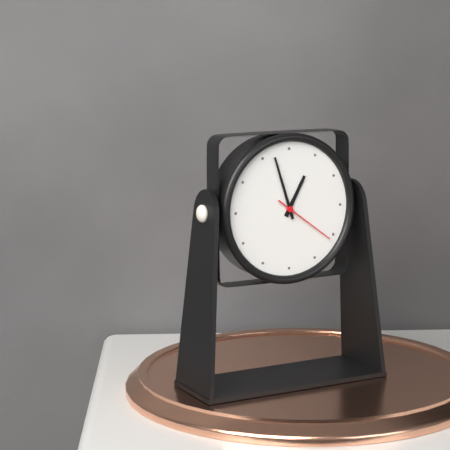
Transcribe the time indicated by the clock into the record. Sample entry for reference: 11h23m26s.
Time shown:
12h57m21s
